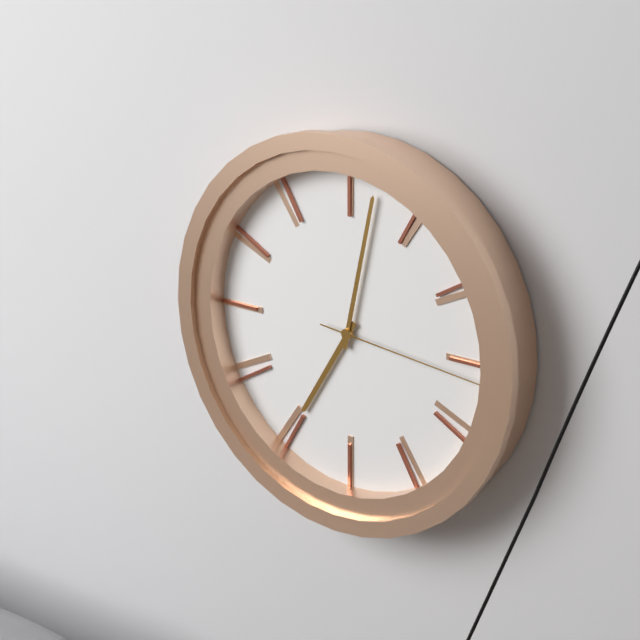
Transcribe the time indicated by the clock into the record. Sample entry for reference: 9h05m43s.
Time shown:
7h02m16s
